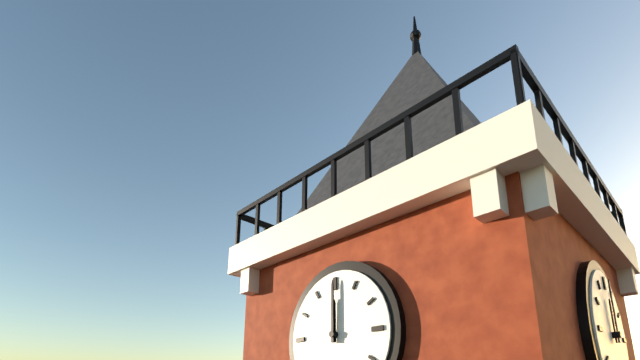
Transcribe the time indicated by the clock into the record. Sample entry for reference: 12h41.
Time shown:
12h00
